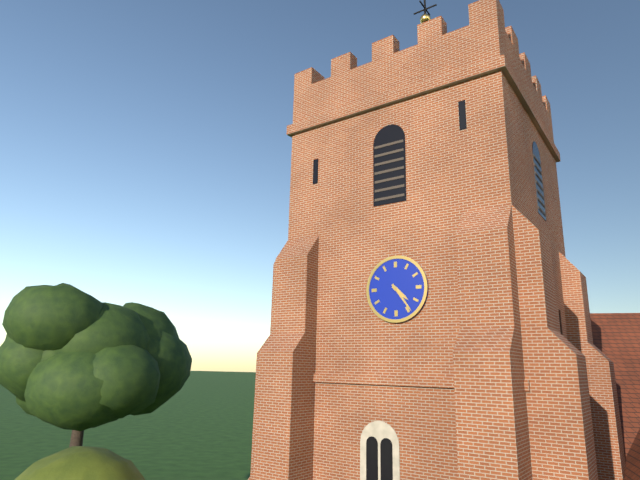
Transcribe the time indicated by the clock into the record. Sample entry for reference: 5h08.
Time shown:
4h24
